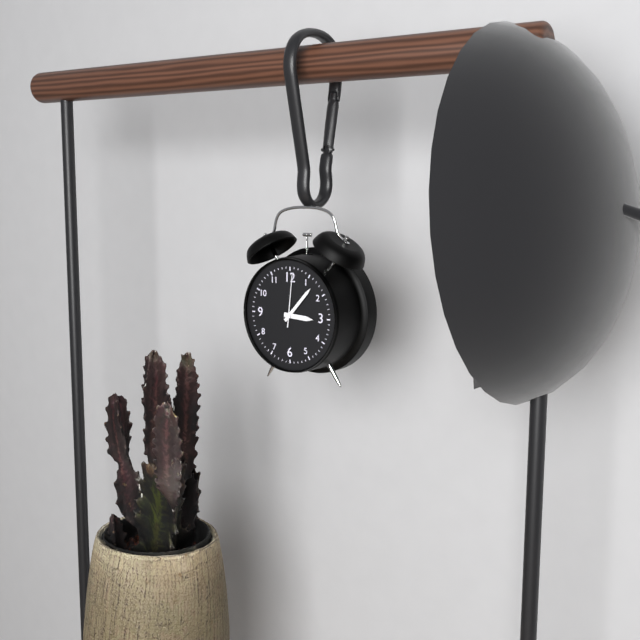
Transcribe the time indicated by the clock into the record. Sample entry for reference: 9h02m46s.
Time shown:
3h07m01s
